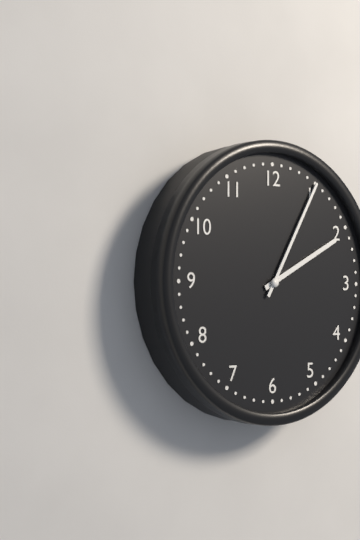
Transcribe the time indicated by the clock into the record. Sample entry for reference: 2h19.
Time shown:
2h05
